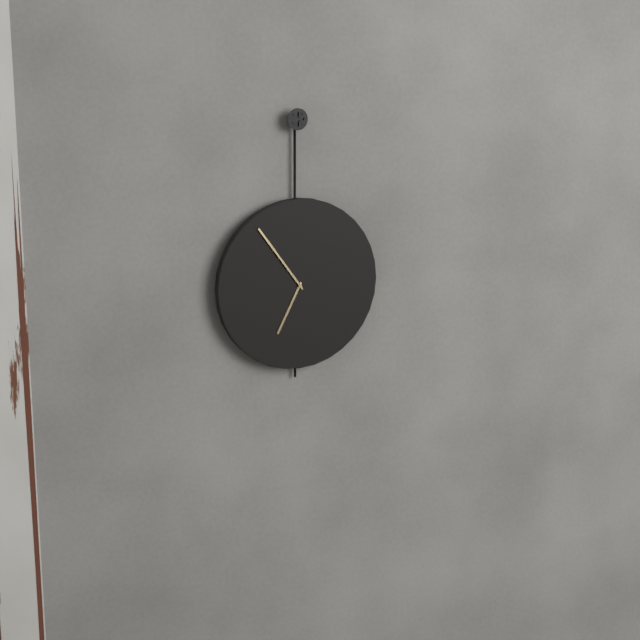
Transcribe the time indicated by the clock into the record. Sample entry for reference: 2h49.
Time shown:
6h54
